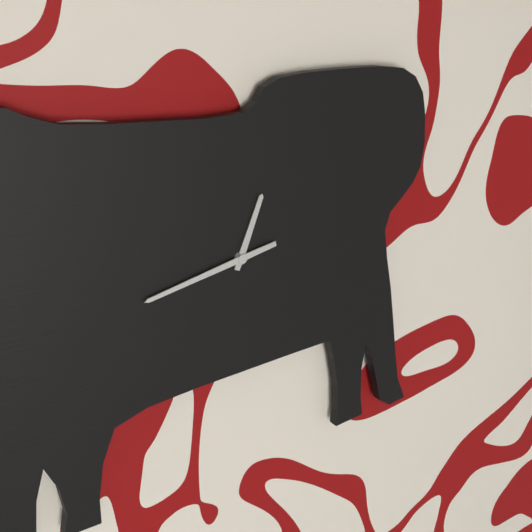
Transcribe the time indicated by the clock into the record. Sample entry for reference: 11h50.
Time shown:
12h43
